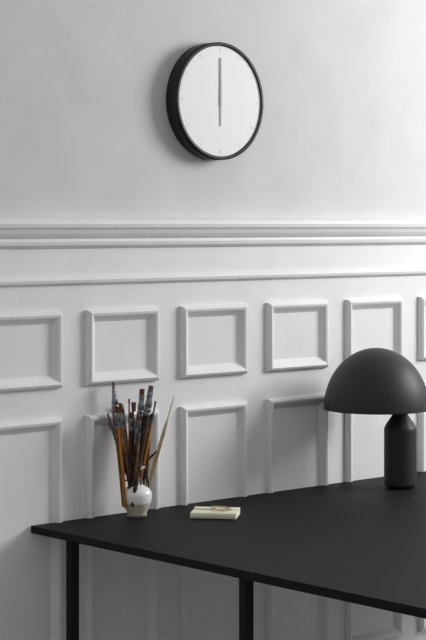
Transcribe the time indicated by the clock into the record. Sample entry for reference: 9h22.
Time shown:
6h00
